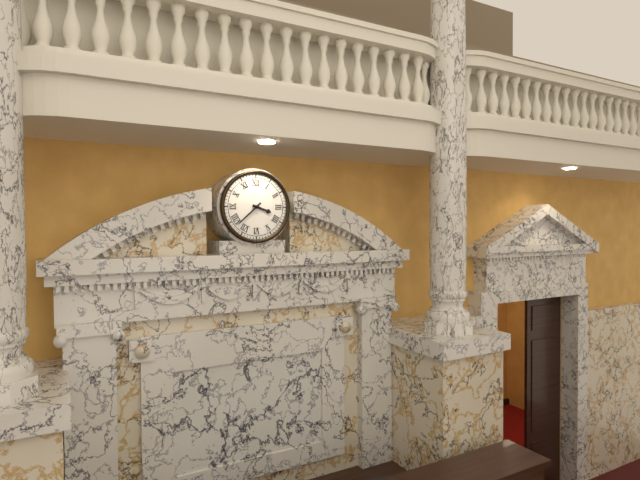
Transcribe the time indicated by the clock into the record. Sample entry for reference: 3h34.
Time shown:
3h38
